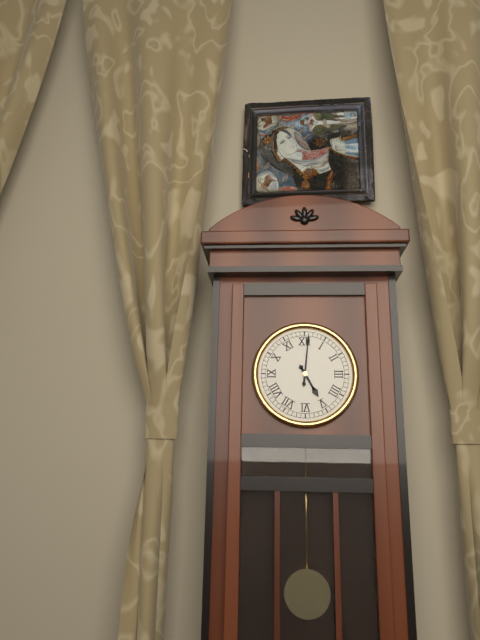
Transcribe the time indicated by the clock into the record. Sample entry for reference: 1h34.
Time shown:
5h01
